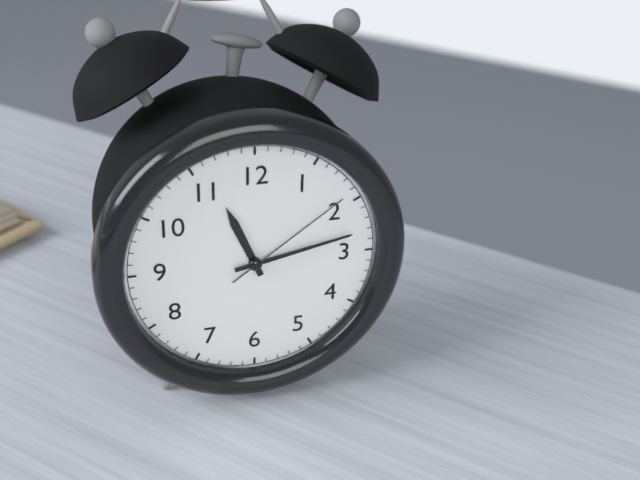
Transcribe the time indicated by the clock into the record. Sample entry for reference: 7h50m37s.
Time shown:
11h13m09s
